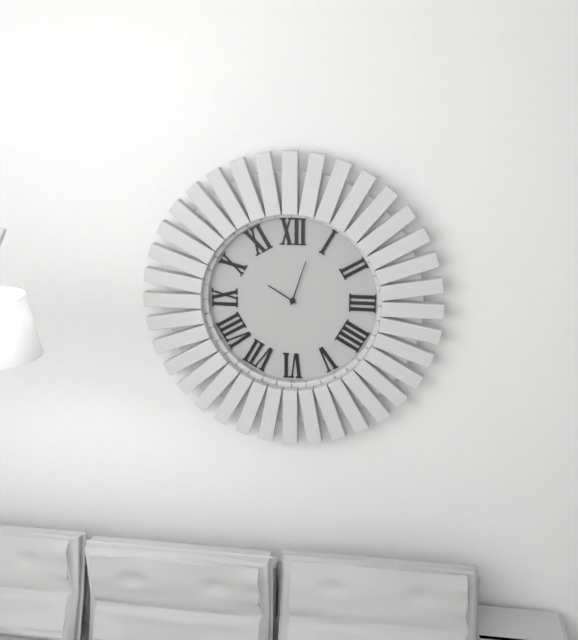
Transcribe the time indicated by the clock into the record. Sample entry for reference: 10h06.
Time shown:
10h03
